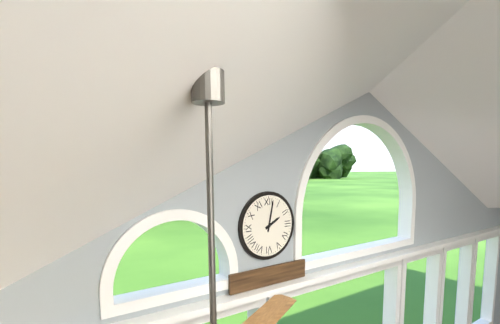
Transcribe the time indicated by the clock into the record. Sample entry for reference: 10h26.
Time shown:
2h02
